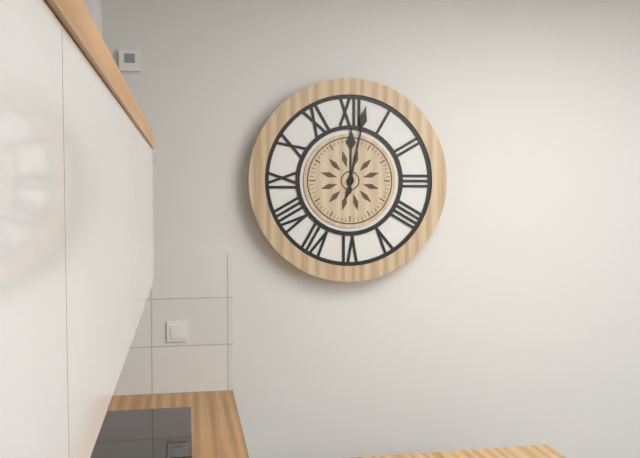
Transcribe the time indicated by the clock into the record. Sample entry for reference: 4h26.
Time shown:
12h02
